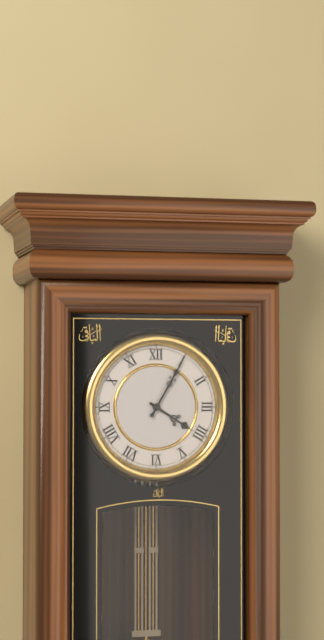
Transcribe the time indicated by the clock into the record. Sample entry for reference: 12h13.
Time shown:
4h05
